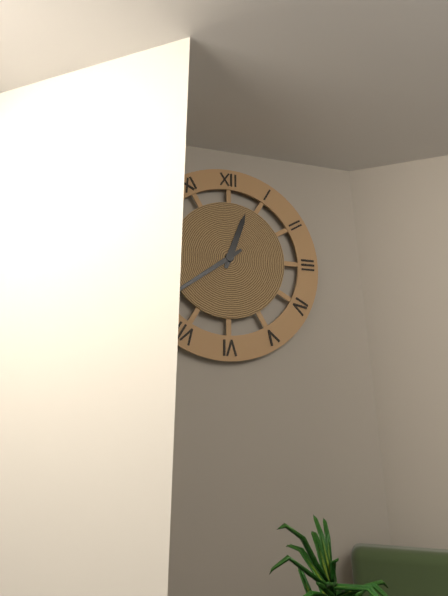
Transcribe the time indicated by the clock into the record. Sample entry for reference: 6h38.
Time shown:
12h39
